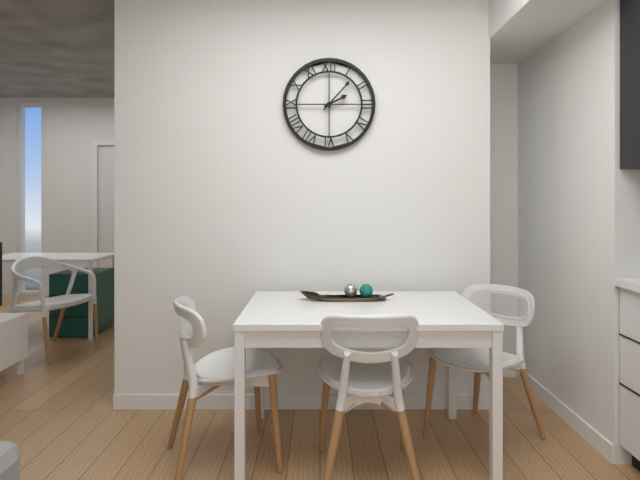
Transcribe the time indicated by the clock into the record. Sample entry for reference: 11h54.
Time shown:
2h07
